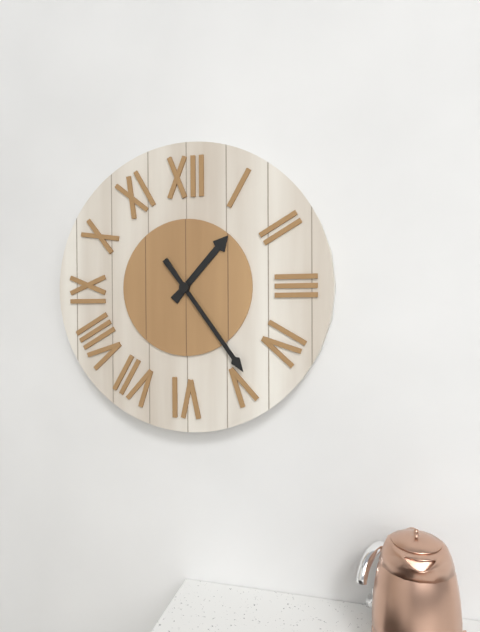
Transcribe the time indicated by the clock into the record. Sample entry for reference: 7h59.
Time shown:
1h24
